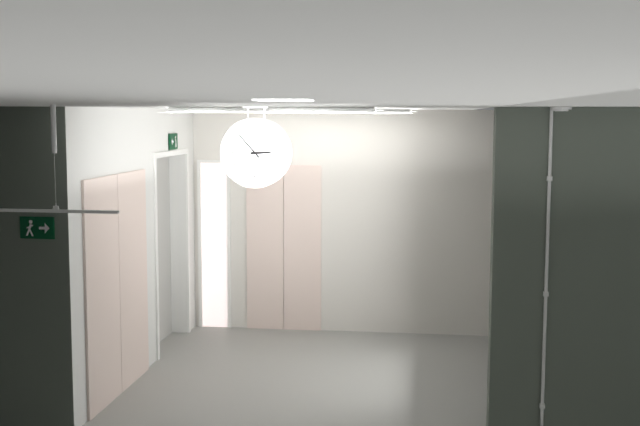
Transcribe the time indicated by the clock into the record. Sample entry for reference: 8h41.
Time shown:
2h53
